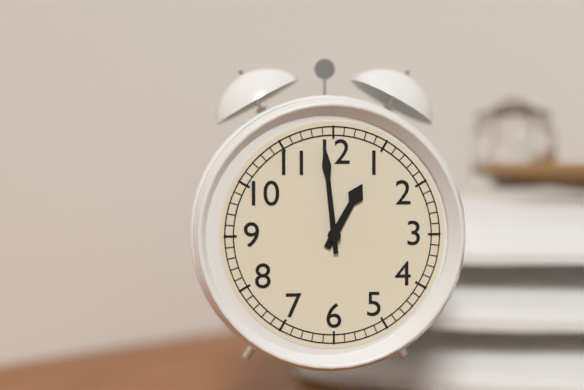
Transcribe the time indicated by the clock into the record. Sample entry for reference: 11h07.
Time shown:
12h59
